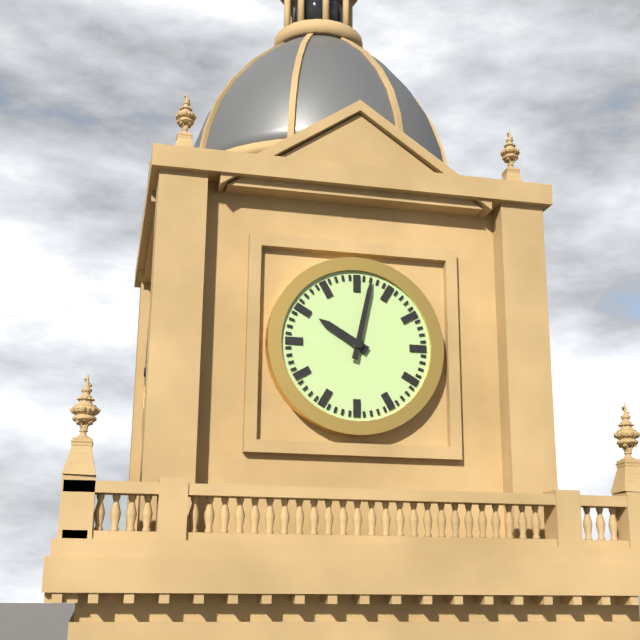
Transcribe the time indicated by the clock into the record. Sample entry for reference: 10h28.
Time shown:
10h02
